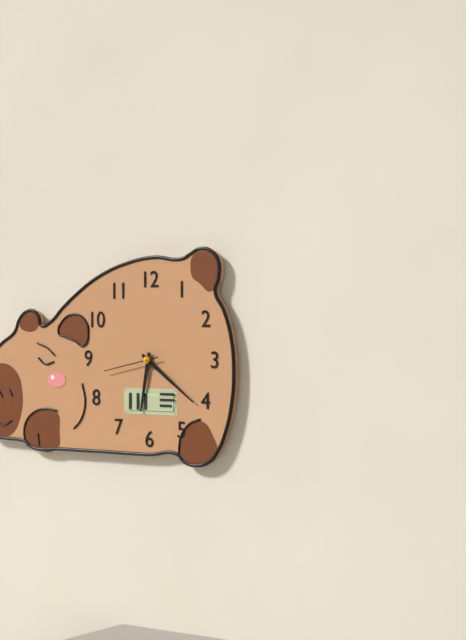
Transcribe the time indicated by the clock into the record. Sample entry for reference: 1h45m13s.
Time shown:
6h21m43s
